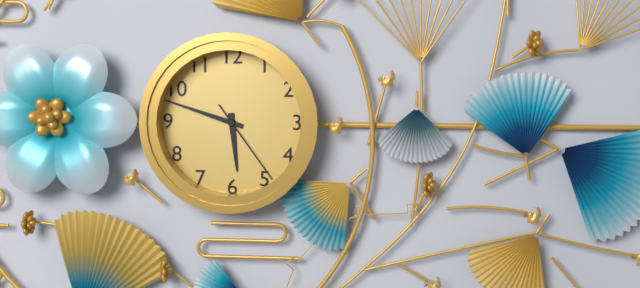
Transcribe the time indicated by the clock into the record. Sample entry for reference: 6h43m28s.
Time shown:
5h48m24s
